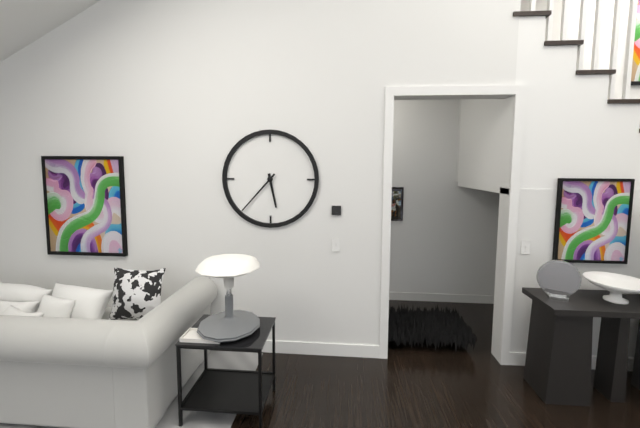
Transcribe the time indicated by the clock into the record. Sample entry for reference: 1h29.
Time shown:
5h37
